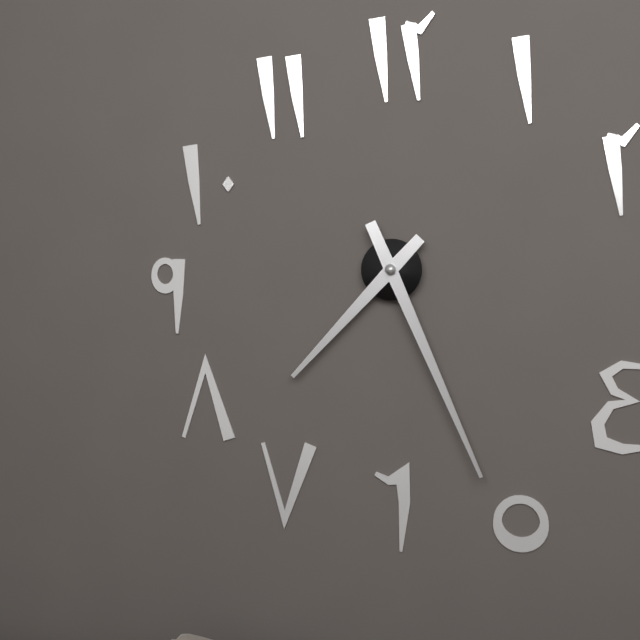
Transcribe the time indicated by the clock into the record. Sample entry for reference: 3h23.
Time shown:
7h26
